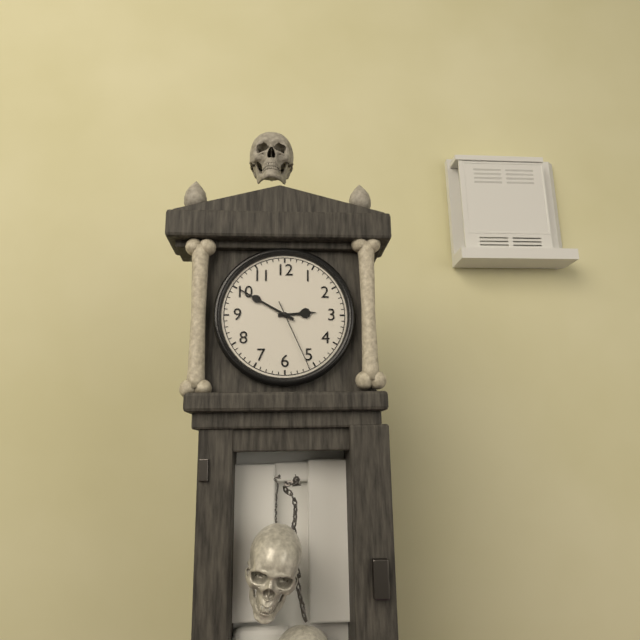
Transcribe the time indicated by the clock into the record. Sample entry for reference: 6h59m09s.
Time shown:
2h50m26s
